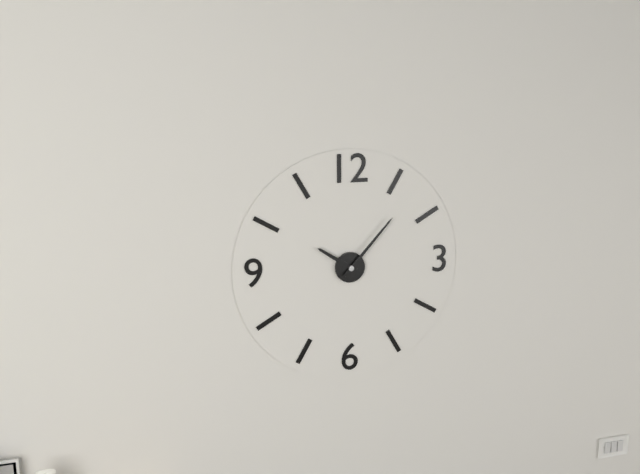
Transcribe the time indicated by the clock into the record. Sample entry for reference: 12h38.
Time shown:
10h07
